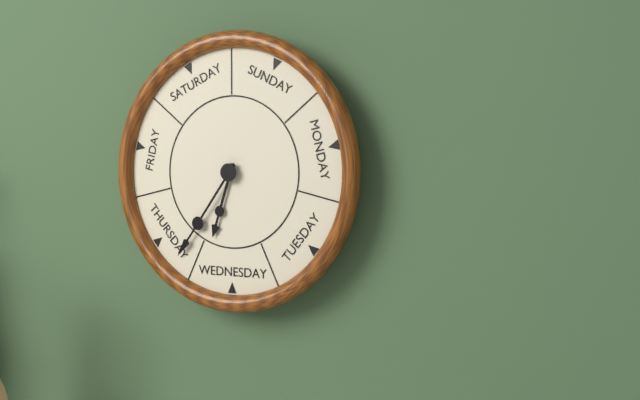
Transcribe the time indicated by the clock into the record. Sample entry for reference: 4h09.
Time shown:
6h36
